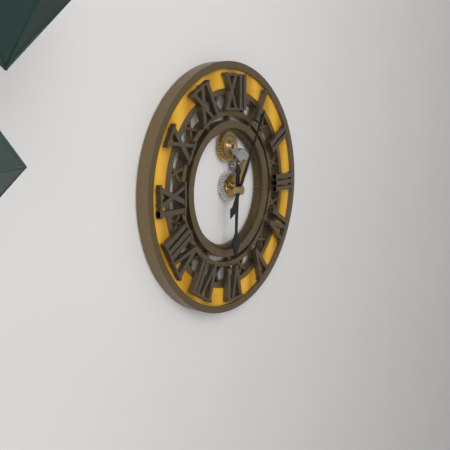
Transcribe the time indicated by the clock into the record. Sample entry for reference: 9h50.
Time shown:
6h05
